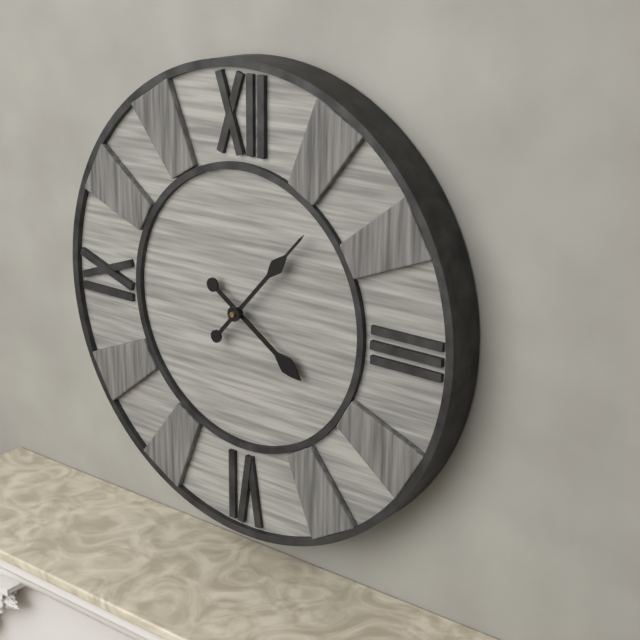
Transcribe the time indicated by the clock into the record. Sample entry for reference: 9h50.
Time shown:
4h07
